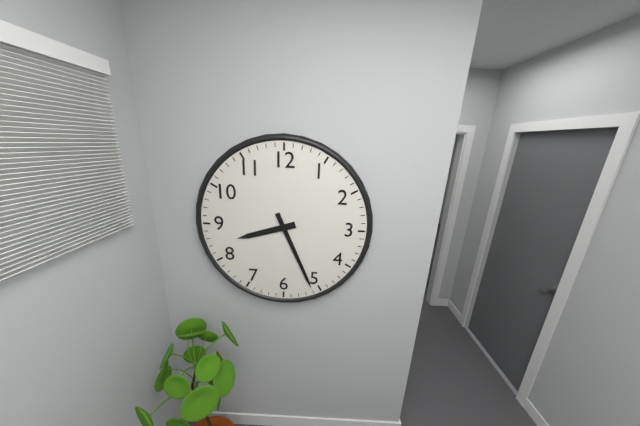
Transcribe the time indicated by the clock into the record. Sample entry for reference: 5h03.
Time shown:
8h26
